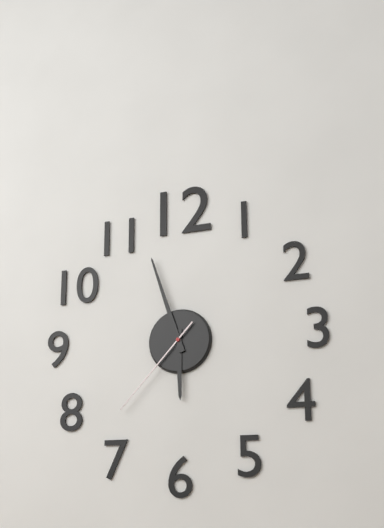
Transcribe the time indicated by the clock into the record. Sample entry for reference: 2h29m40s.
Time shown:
5h57m37s
